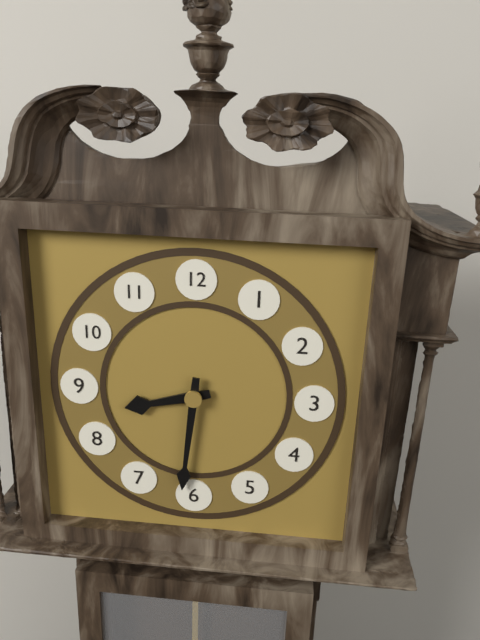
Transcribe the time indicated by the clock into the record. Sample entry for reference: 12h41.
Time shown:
8h31
